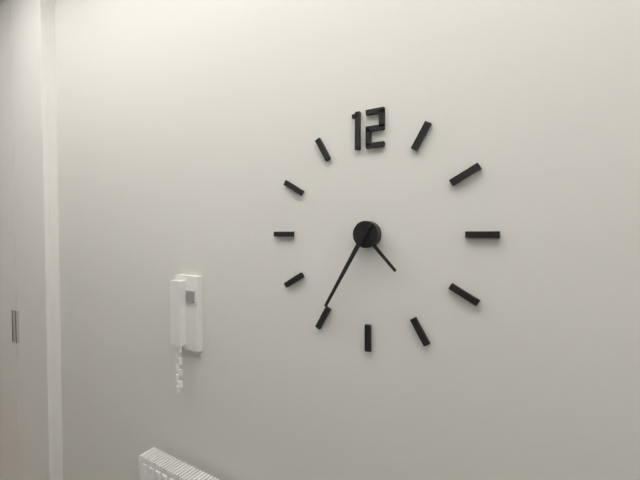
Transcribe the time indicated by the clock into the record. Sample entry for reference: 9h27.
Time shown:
4h35
